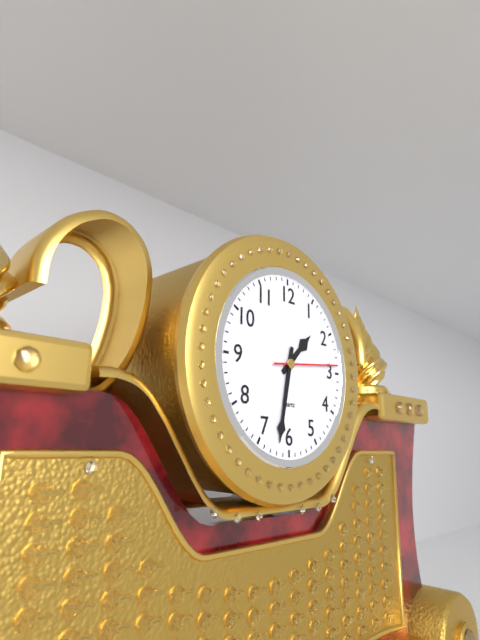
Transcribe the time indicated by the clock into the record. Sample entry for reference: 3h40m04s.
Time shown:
1h32m14s
